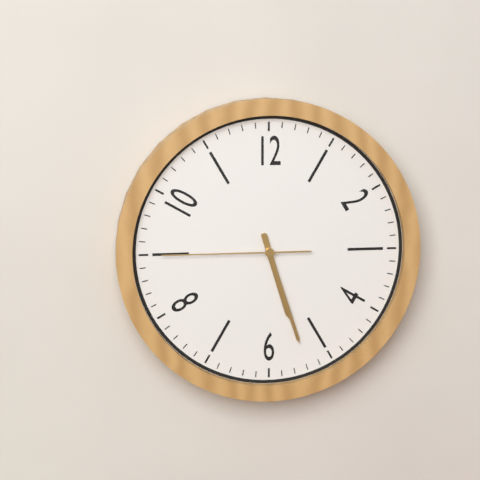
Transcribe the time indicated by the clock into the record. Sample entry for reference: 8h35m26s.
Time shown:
5h27m45s
